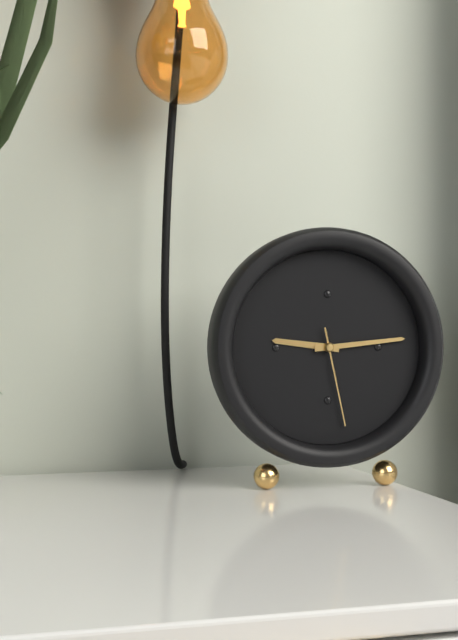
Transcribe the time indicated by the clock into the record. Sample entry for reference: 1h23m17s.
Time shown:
9h14m28s
